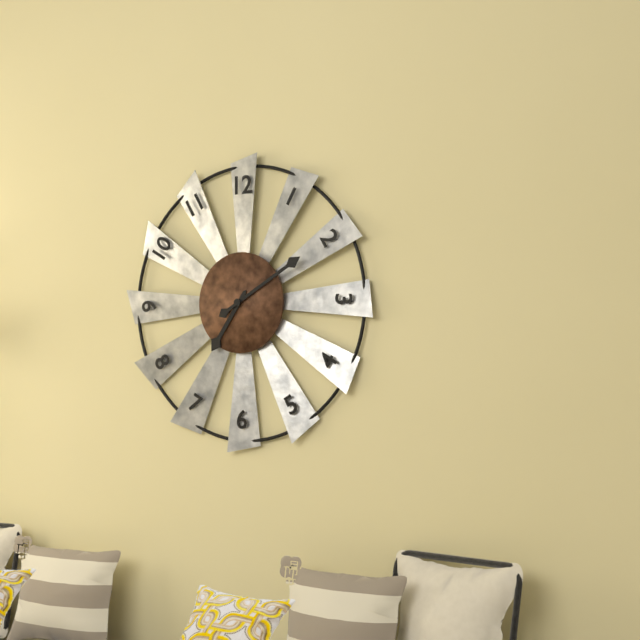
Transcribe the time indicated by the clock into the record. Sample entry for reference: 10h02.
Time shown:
7h10
